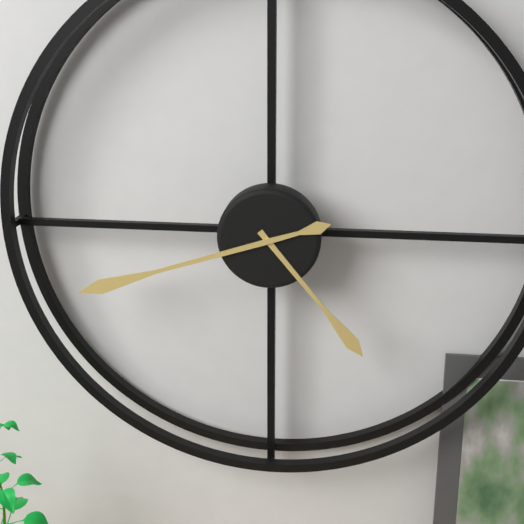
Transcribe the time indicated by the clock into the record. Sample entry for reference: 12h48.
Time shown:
4h42
